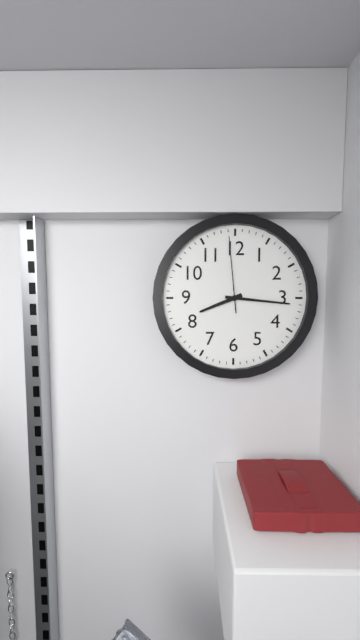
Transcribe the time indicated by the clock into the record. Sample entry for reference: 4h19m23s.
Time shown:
8h16m59s
